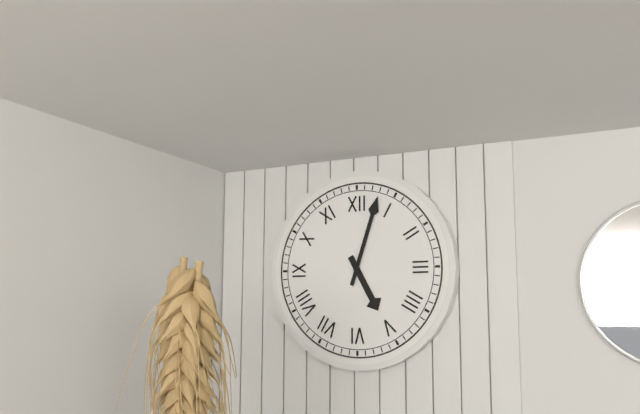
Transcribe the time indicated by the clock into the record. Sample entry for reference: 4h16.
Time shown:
5h03
